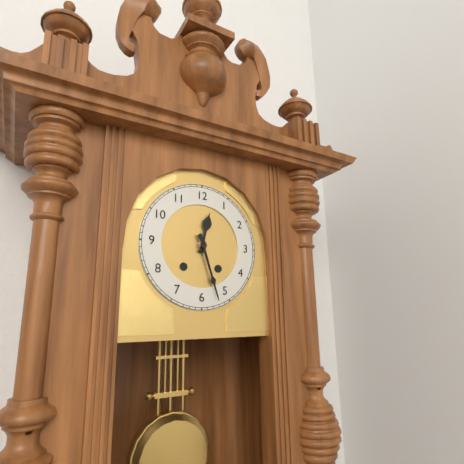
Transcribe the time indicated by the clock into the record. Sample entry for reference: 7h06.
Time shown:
12h27
